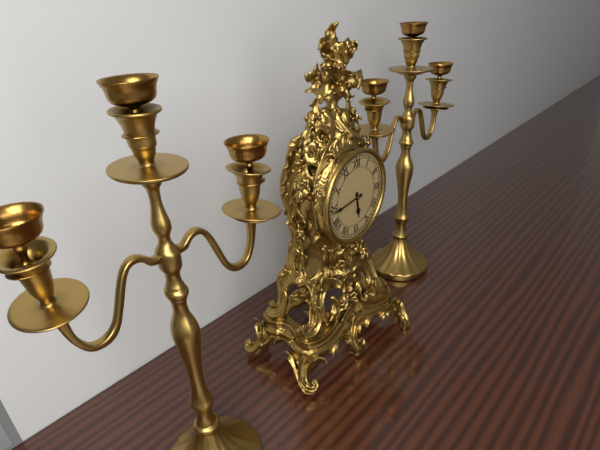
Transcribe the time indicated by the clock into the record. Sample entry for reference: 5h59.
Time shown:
5h44
